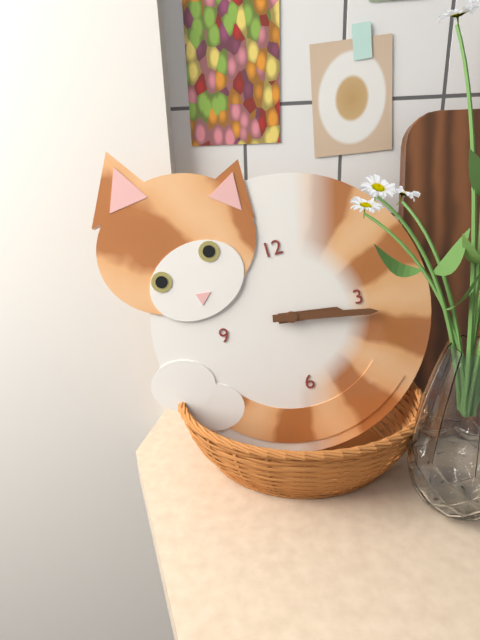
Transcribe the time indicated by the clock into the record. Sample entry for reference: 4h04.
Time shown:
3h17
